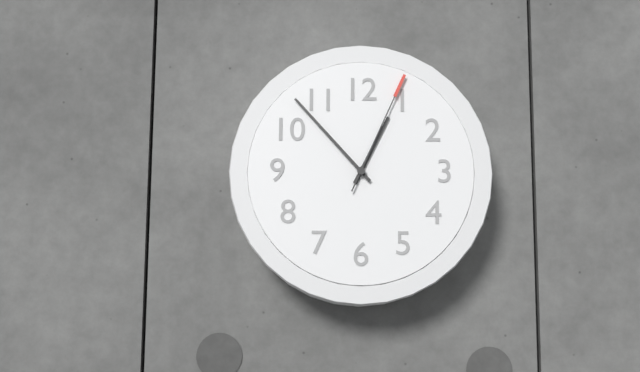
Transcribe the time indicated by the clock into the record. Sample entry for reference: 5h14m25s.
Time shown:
12h53m04s
